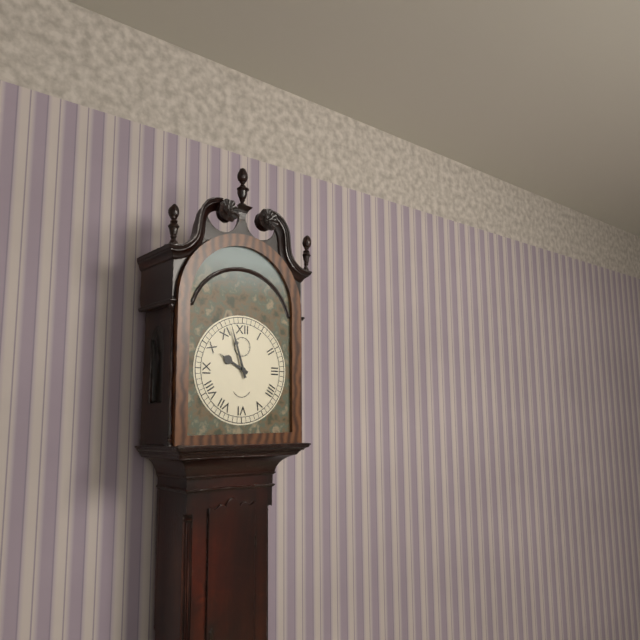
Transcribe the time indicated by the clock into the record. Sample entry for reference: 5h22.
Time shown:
9h57
